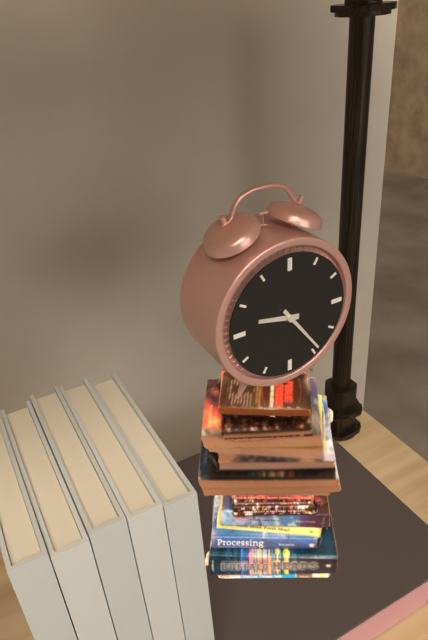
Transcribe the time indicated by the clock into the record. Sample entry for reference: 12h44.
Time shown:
9h24
